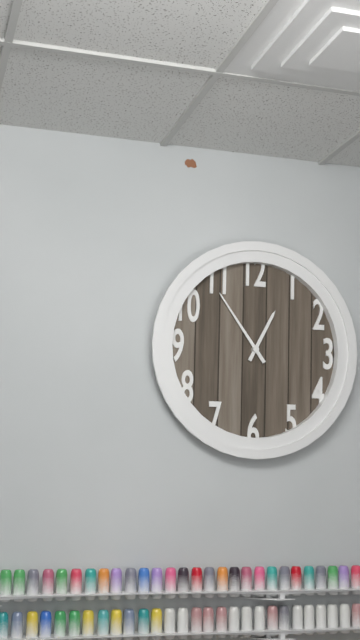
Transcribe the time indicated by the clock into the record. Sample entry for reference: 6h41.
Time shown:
12h54
